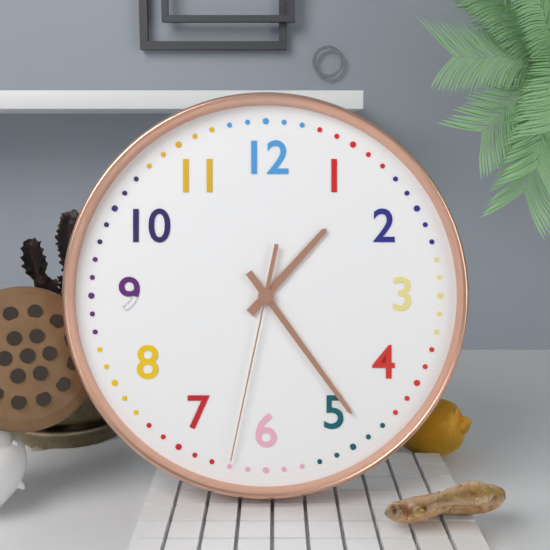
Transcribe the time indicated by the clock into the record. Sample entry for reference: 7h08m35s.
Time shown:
1h24m32s
